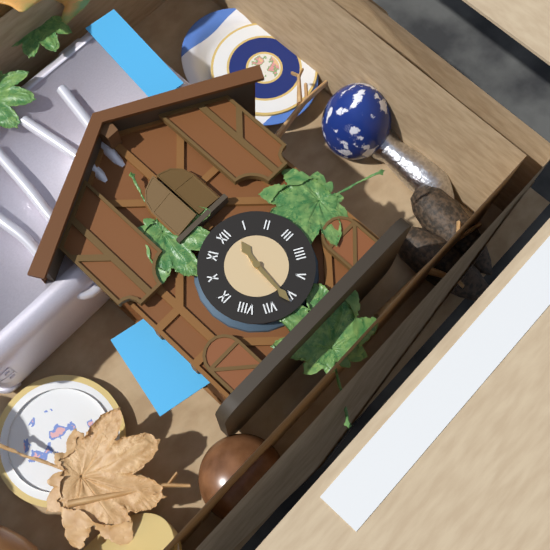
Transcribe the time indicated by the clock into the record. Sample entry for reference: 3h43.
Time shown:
12h31
